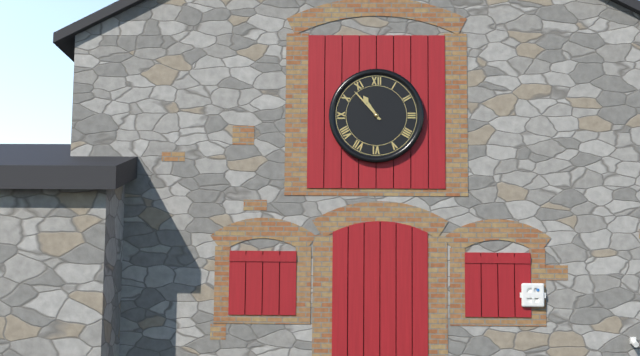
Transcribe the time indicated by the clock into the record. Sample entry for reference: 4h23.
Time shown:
10h53
